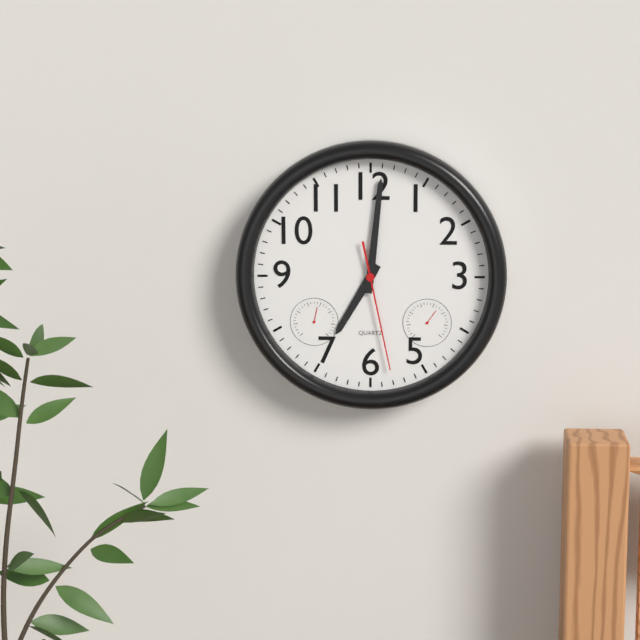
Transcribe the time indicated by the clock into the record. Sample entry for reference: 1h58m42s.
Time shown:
7h01m28s
